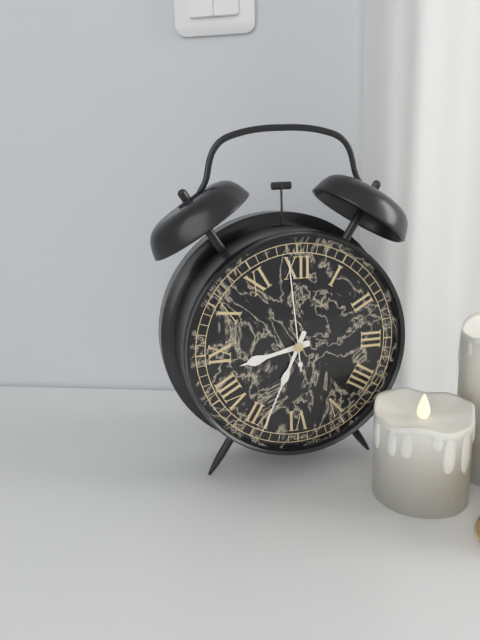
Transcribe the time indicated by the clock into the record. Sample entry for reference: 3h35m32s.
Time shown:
8h34m59s
